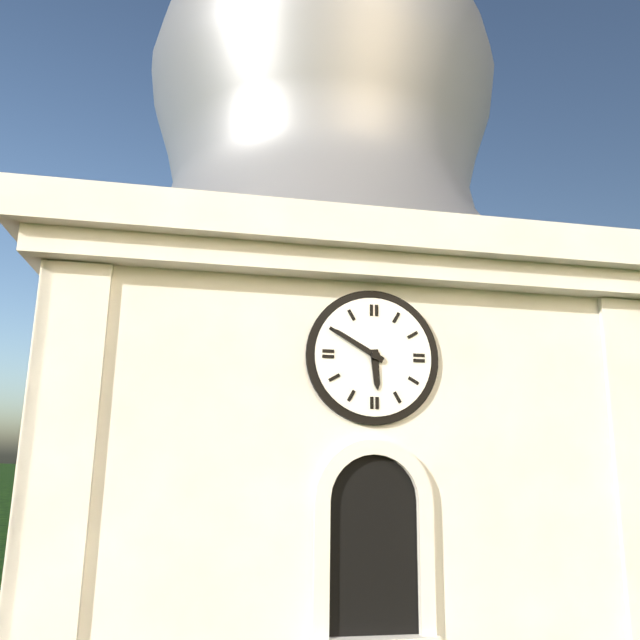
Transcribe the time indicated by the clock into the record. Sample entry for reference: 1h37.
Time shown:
5h50
